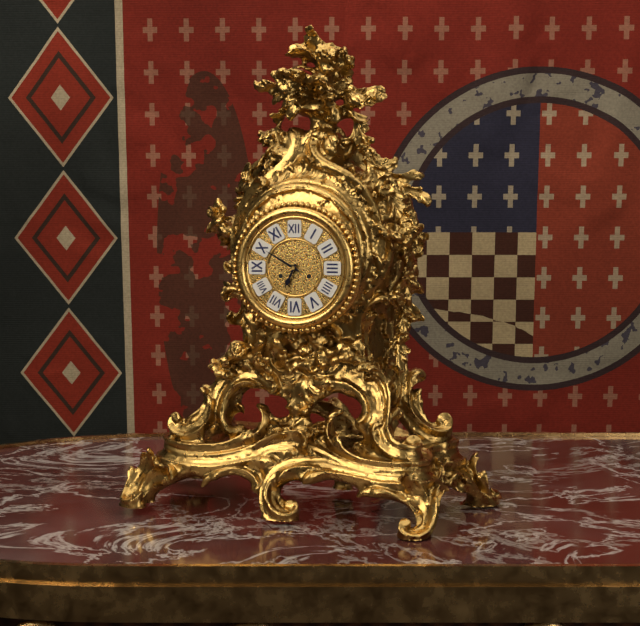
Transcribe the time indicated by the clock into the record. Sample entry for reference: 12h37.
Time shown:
6h50
